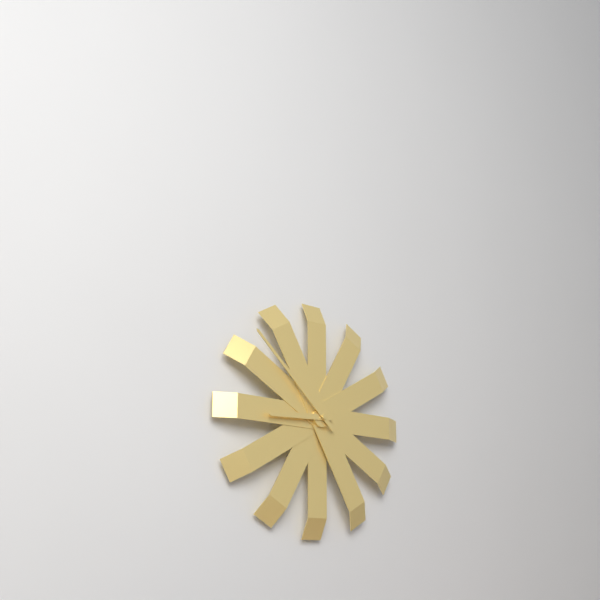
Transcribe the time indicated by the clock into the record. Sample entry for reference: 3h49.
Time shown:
8h52
